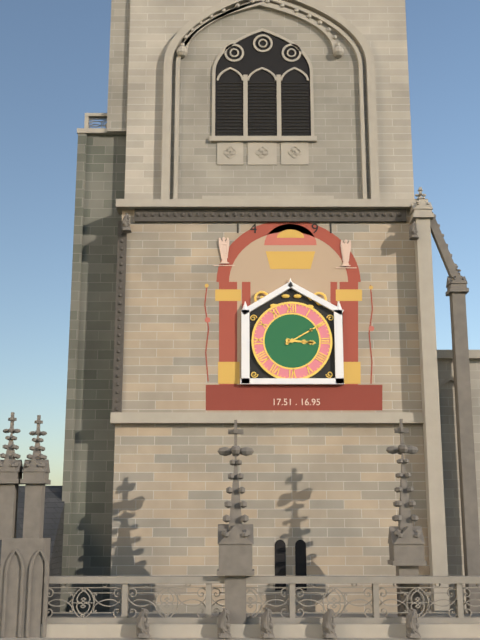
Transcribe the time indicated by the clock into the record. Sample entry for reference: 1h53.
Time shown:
3h10
